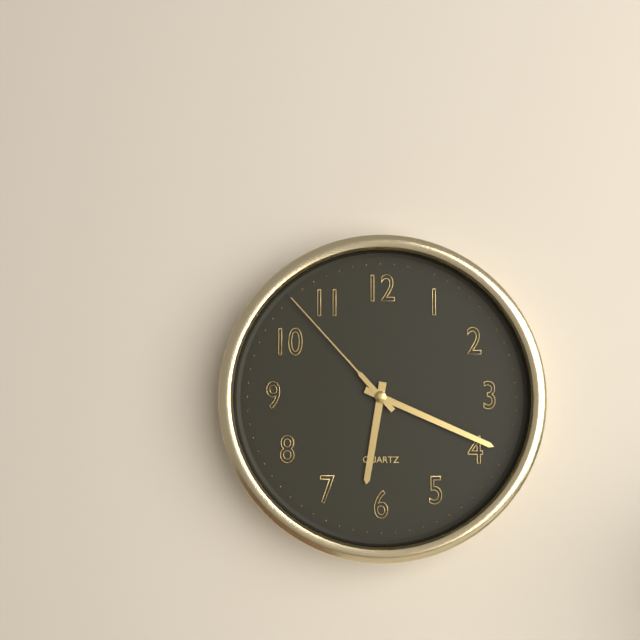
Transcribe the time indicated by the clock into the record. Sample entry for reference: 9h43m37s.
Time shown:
6h19m53s
